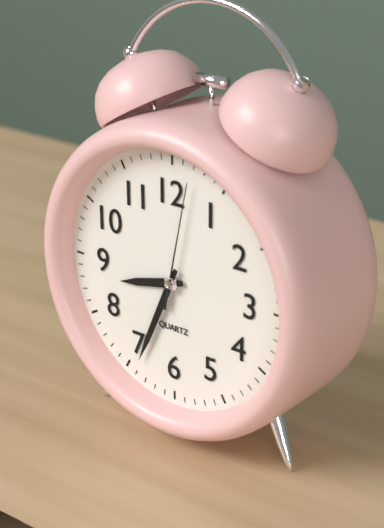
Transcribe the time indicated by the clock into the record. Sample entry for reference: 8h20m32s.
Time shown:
8h34m02s
